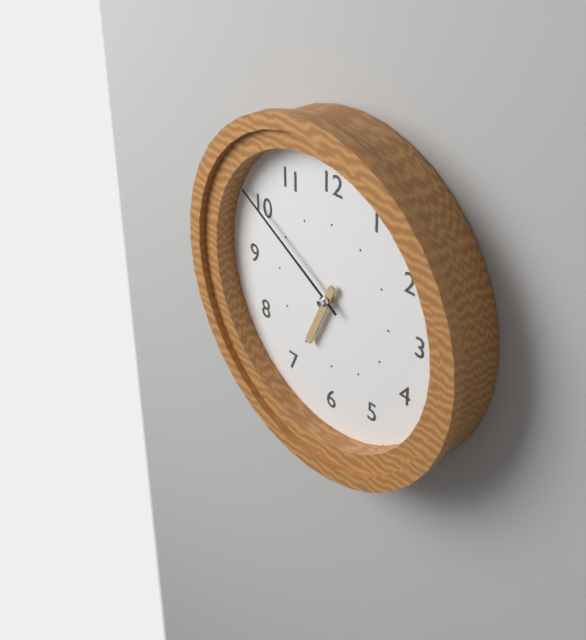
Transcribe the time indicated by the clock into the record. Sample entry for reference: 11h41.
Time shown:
6h50
